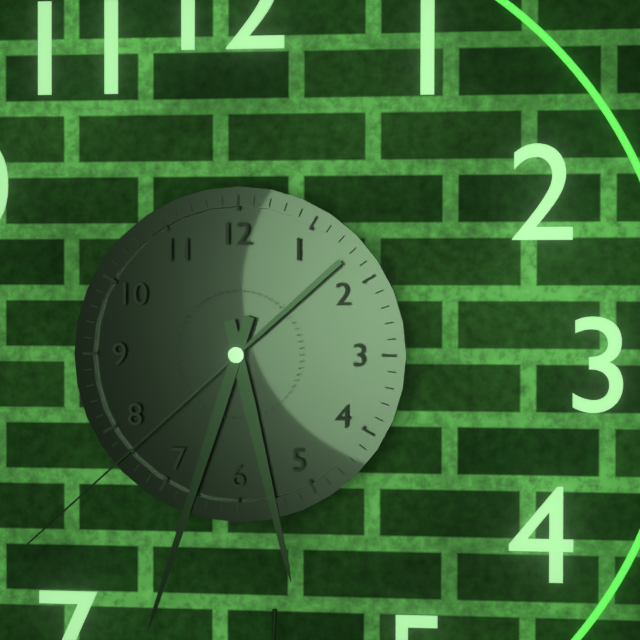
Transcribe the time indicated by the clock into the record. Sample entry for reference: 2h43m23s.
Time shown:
5h33m38s
